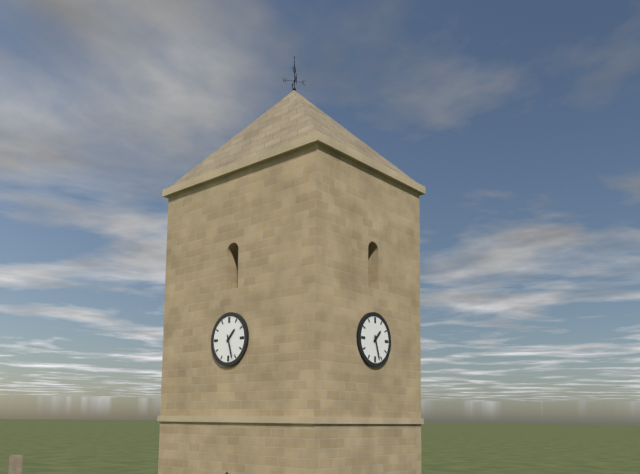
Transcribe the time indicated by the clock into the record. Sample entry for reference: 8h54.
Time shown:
1h27
